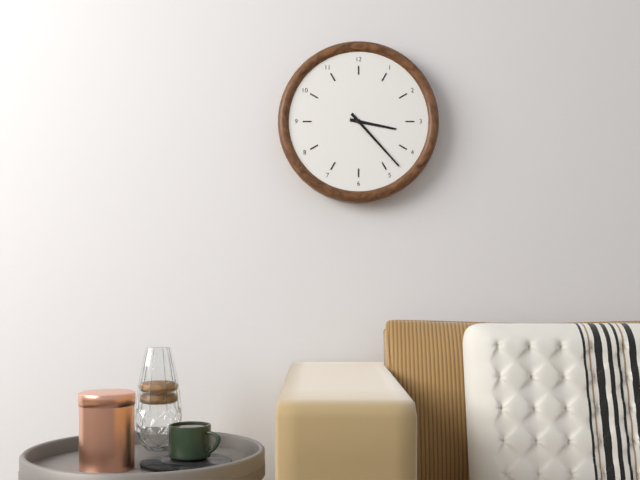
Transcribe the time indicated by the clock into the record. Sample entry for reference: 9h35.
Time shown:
3h23
